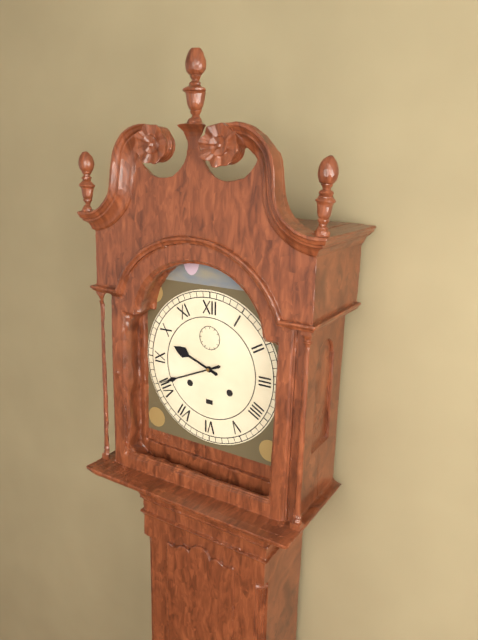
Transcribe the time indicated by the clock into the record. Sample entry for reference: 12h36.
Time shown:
9h41
